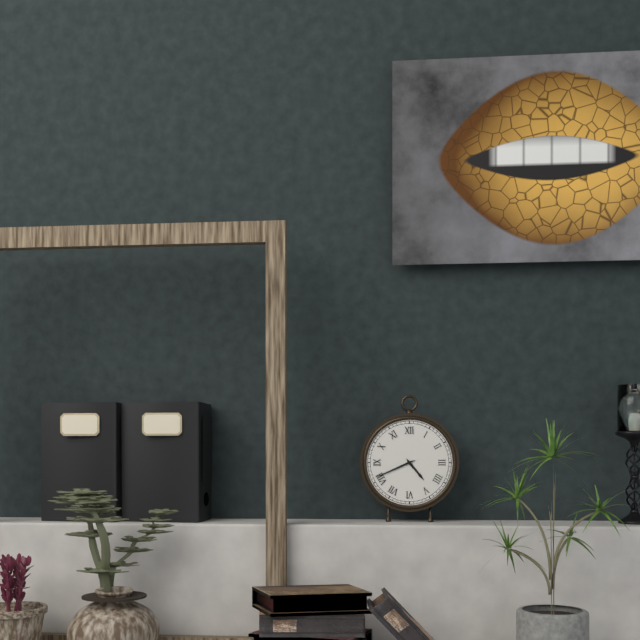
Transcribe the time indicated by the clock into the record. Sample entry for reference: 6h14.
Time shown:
4h41
